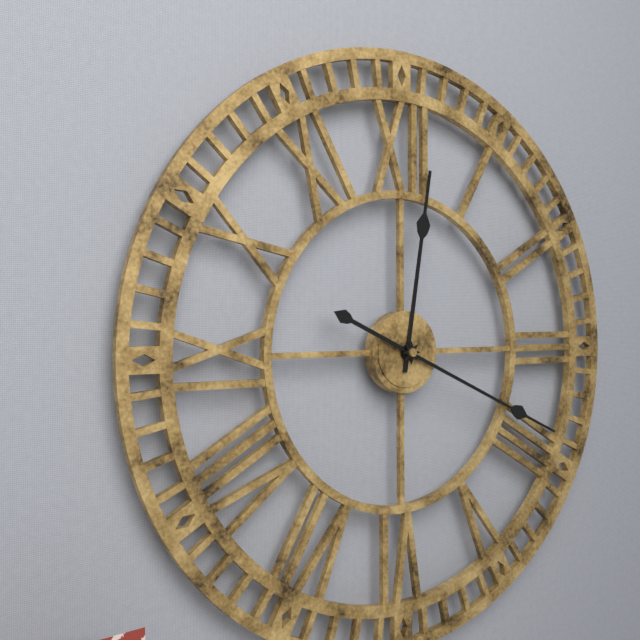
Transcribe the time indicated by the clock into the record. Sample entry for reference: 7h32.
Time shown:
12h19
